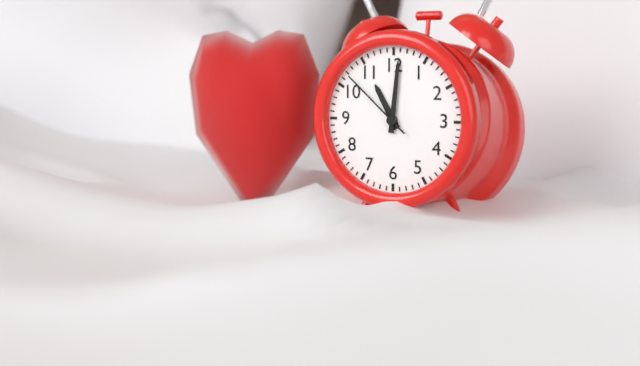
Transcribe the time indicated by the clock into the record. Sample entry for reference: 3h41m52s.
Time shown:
11h01m52s
